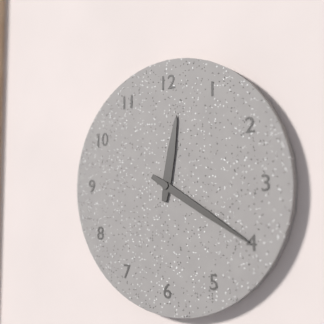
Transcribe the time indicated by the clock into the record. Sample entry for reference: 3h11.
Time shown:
12h20
